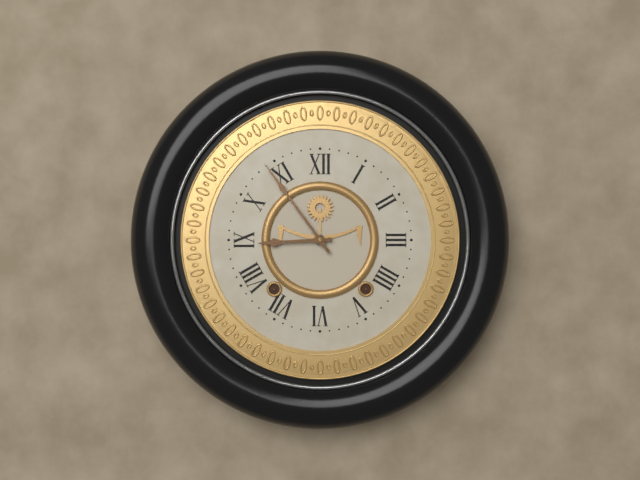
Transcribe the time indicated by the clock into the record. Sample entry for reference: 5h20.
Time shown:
8h54
